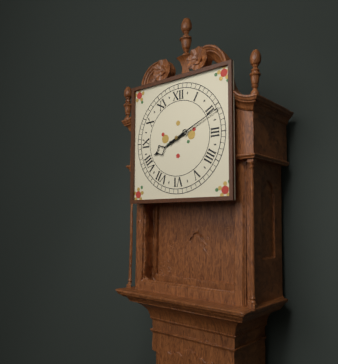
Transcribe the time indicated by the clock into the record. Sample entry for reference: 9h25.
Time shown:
8h11
